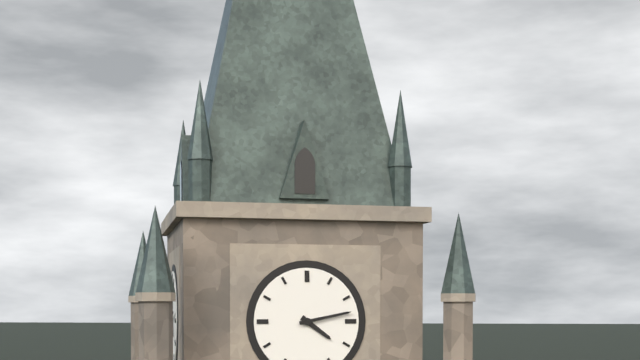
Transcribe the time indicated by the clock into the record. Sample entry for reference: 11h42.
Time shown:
4h13
